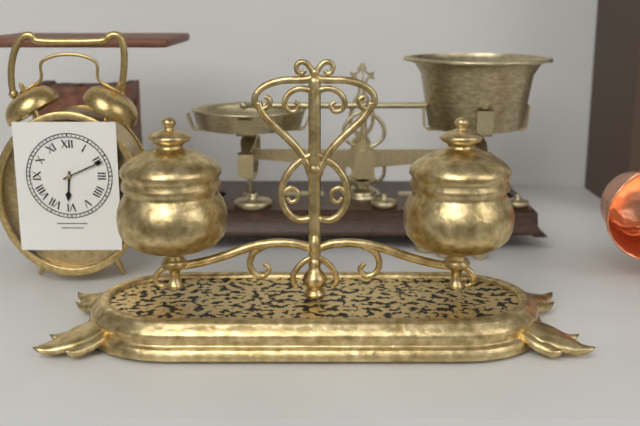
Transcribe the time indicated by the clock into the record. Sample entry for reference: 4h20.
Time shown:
6h11
